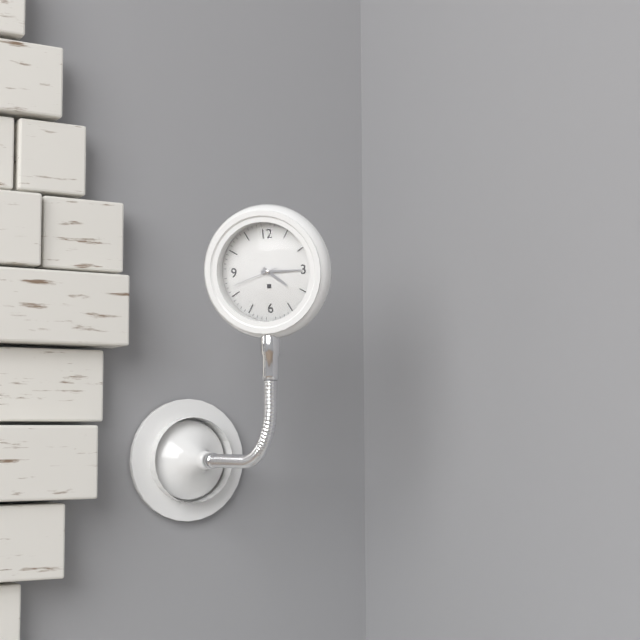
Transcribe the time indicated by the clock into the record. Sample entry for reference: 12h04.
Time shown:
4h15
